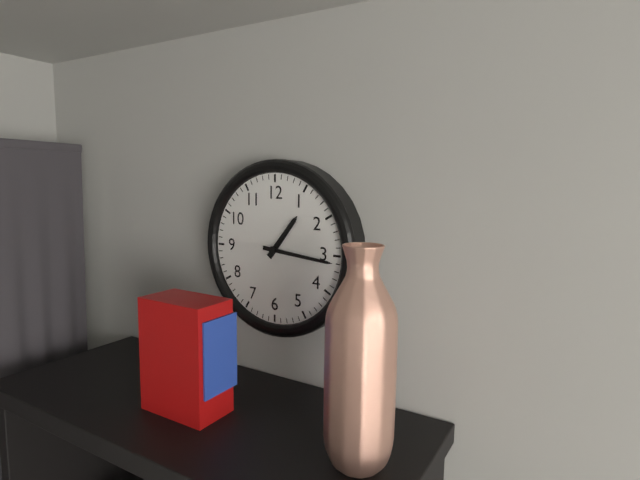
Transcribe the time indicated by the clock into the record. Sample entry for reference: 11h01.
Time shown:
1h16
